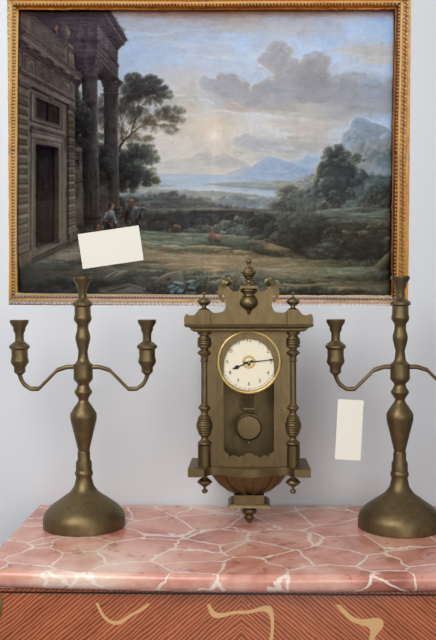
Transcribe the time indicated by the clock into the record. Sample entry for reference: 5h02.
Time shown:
8h14
